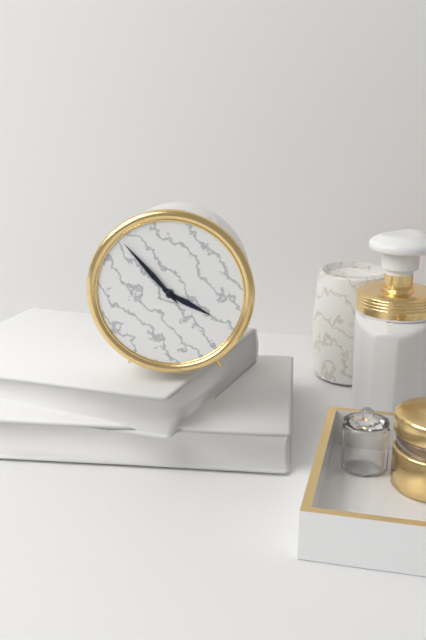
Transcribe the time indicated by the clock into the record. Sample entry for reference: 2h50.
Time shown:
3h53
